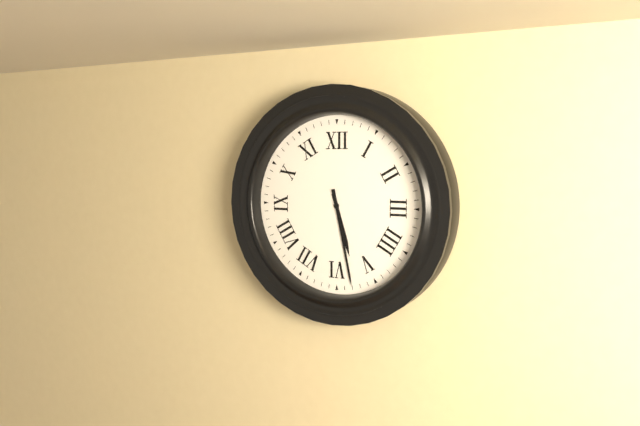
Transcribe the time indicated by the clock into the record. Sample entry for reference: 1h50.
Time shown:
5h28
